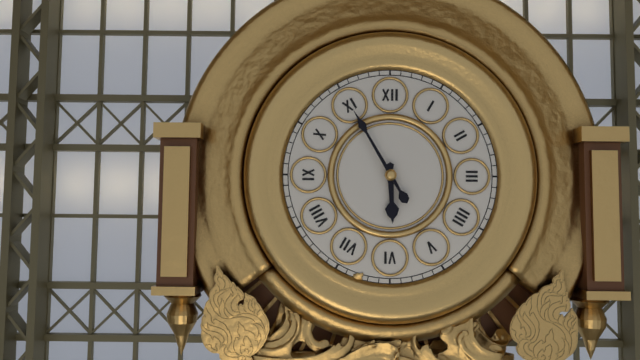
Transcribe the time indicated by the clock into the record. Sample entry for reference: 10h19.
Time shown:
5h55
